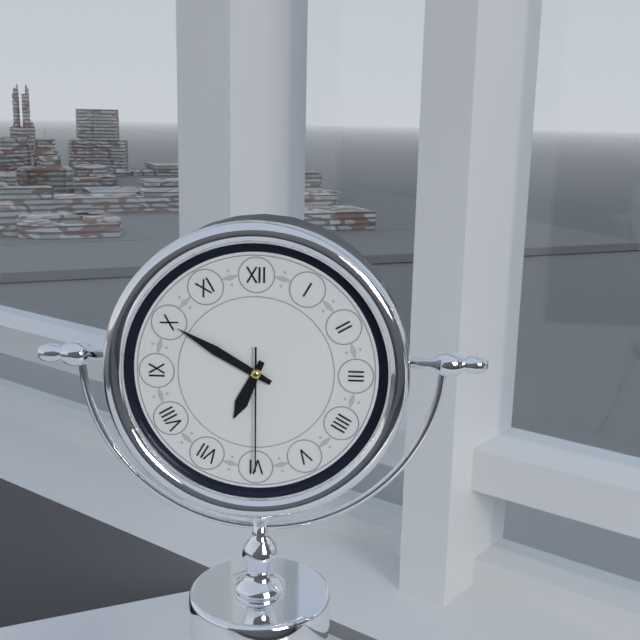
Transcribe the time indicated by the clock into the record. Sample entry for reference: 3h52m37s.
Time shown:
6h50m30s
